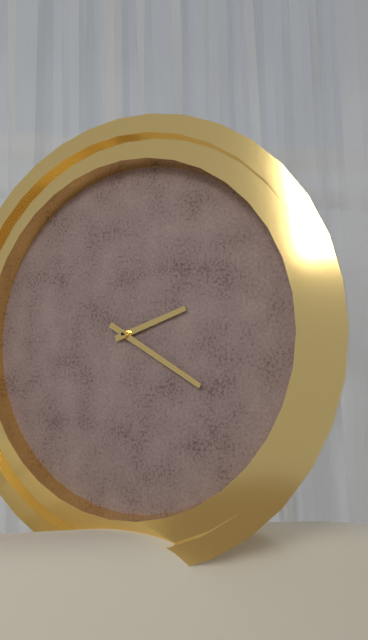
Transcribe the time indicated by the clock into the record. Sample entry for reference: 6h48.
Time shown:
2h20
